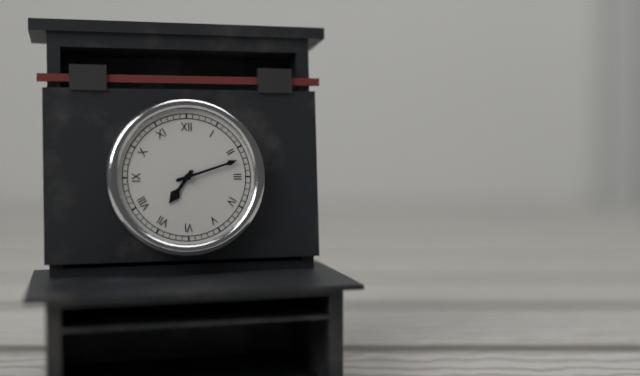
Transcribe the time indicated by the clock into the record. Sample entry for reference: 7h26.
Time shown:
7h12
